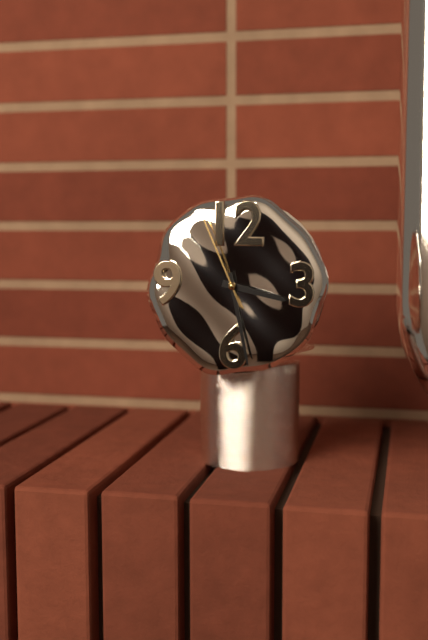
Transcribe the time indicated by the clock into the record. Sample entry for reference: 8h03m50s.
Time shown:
3h28m56s
